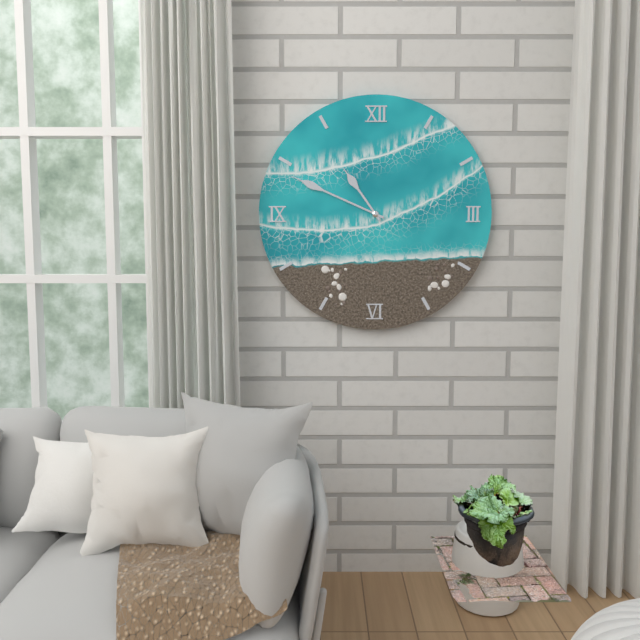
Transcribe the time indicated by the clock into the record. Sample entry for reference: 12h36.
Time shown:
10h49
